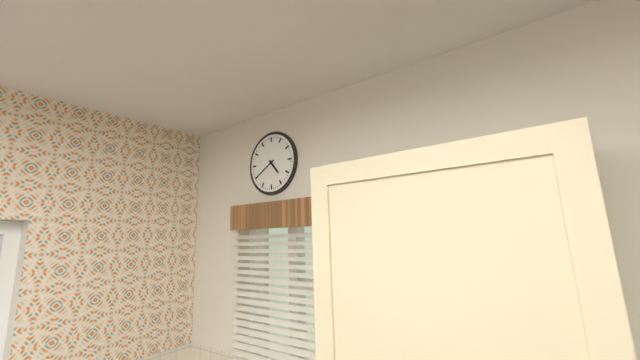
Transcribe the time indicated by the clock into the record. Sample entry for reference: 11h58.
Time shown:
4h40
